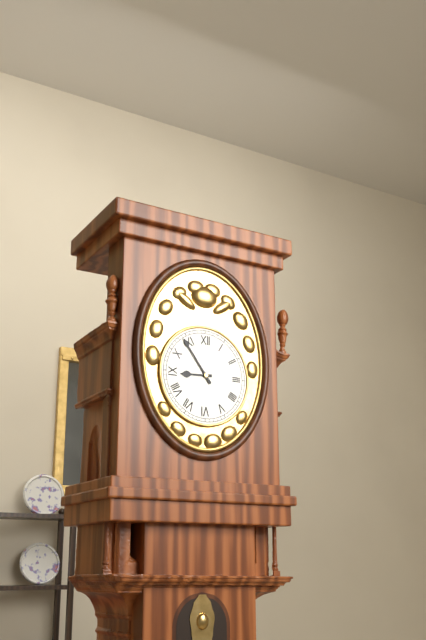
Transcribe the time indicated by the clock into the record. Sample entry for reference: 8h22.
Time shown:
8h54
